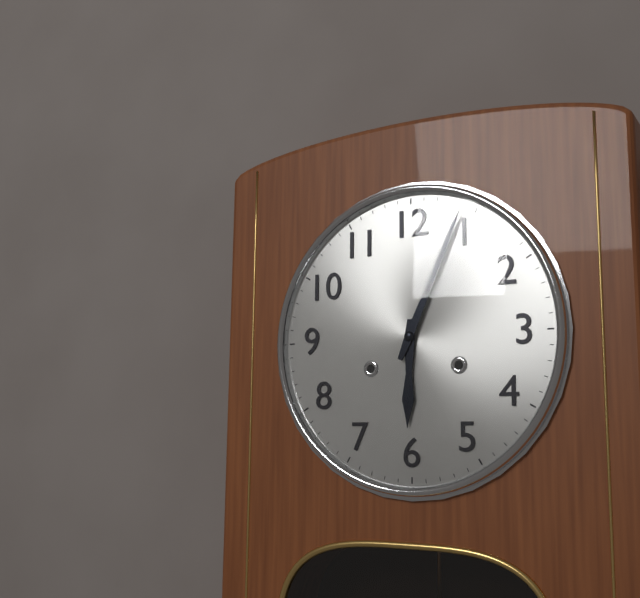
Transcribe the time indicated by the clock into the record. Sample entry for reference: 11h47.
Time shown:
6h04
